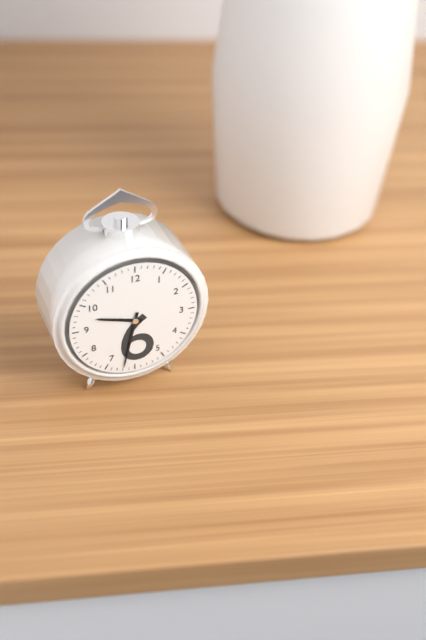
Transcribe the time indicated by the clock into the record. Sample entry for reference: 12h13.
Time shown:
9h32
